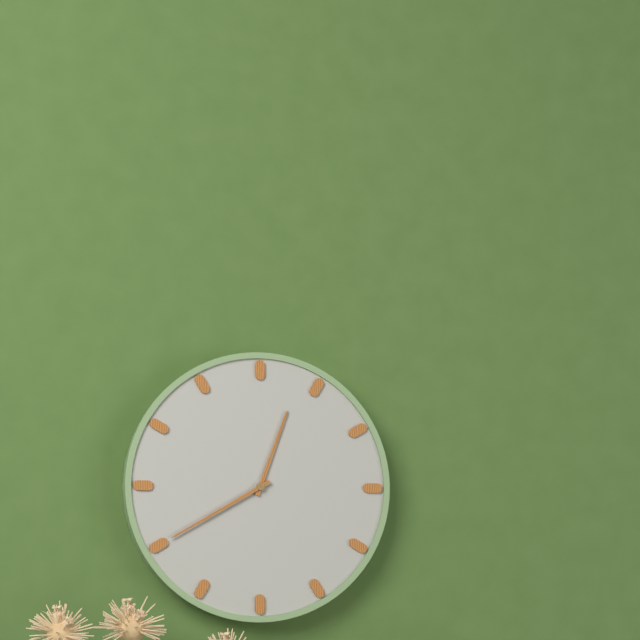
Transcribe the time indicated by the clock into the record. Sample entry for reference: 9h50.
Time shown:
12h40
